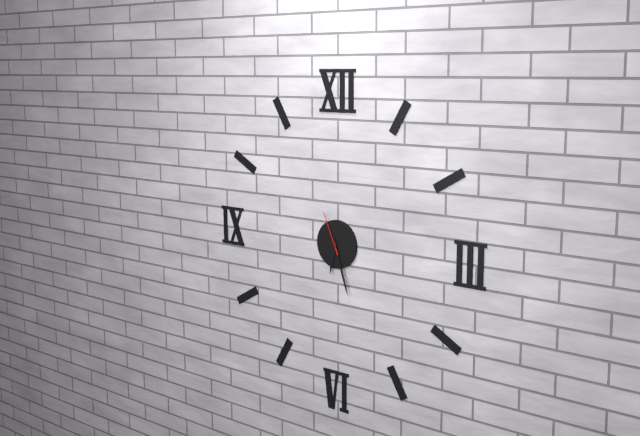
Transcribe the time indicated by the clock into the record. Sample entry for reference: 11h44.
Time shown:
6h27
